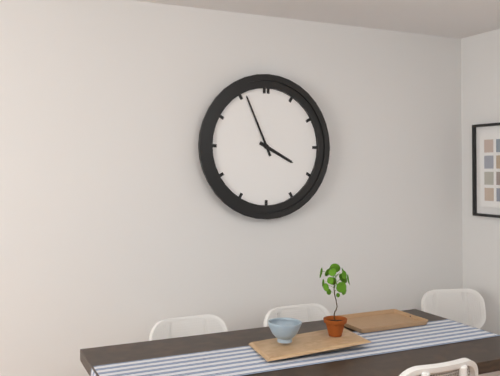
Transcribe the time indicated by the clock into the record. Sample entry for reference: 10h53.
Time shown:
3h56
